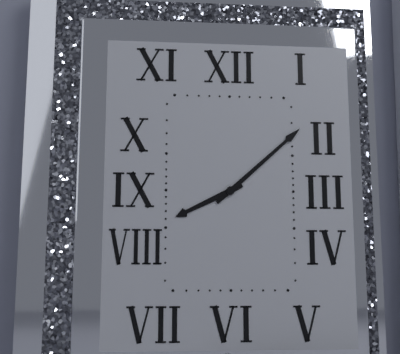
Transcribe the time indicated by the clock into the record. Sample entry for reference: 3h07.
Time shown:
8h08
